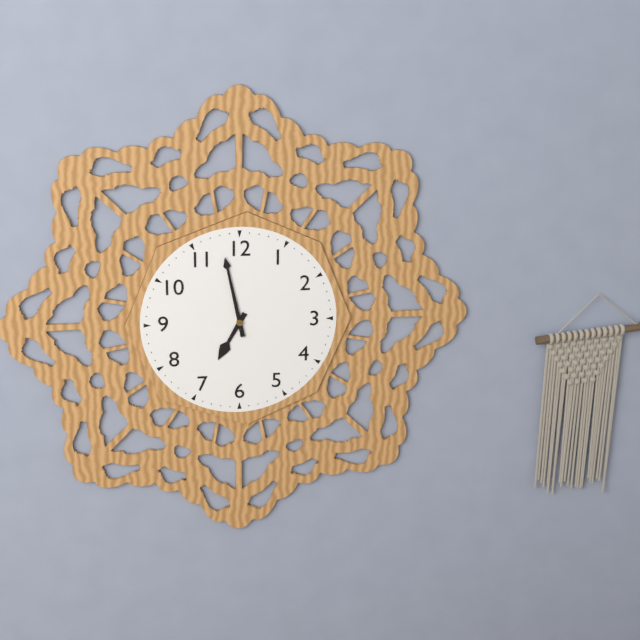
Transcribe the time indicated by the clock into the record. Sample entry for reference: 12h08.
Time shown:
6h58
